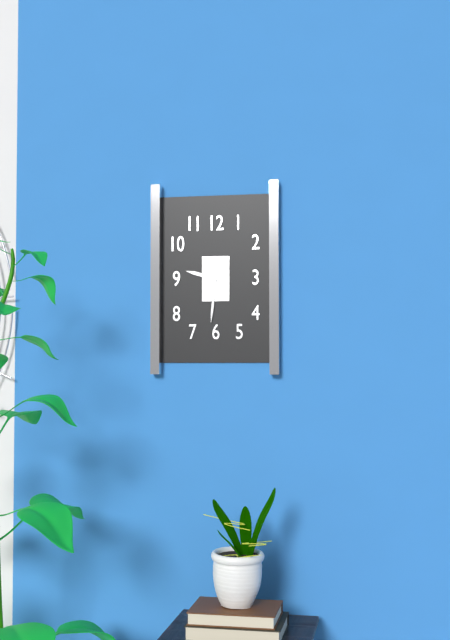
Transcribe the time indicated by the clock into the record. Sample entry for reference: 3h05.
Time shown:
9h31
